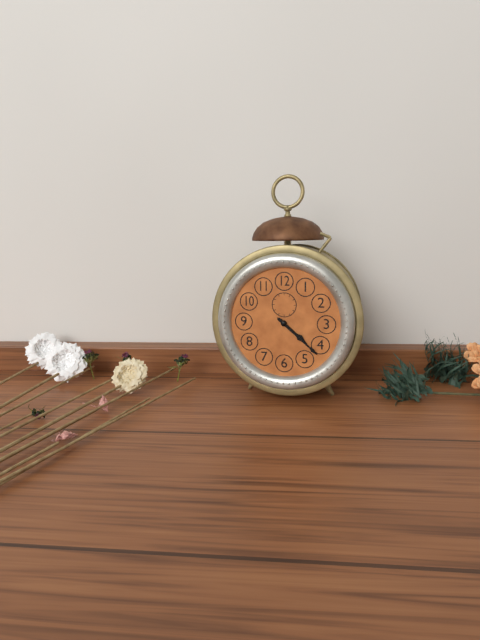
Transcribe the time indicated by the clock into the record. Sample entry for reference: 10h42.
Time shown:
4h22
